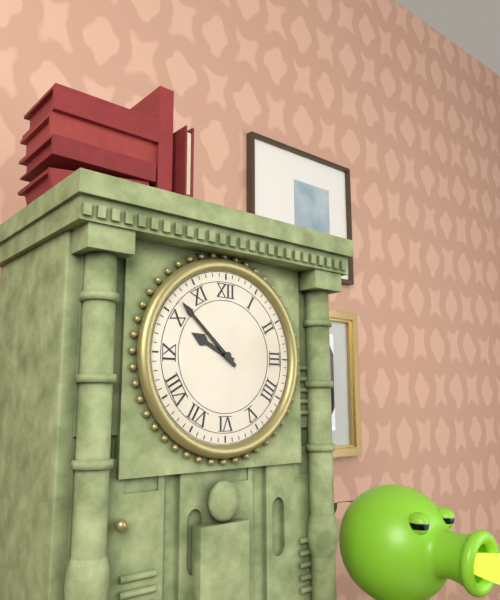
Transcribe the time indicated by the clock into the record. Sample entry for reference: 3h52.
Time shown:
9h52
